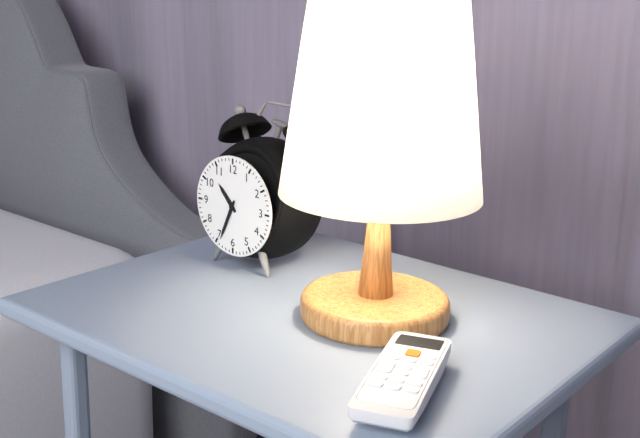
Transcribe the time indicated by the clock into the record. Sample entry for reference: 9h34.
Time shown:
10h34
